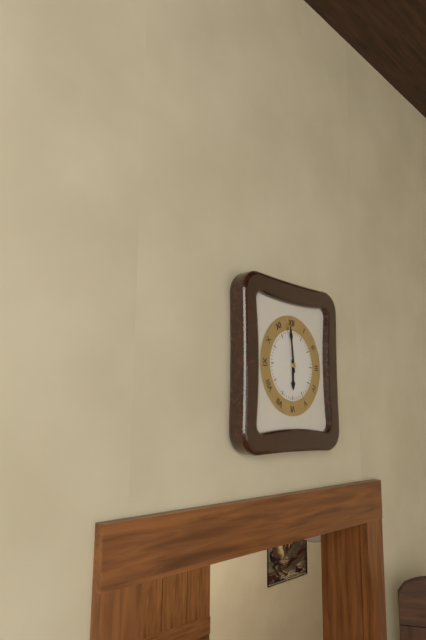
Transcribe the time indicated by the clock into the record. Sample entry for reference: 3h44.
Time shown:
5h59
